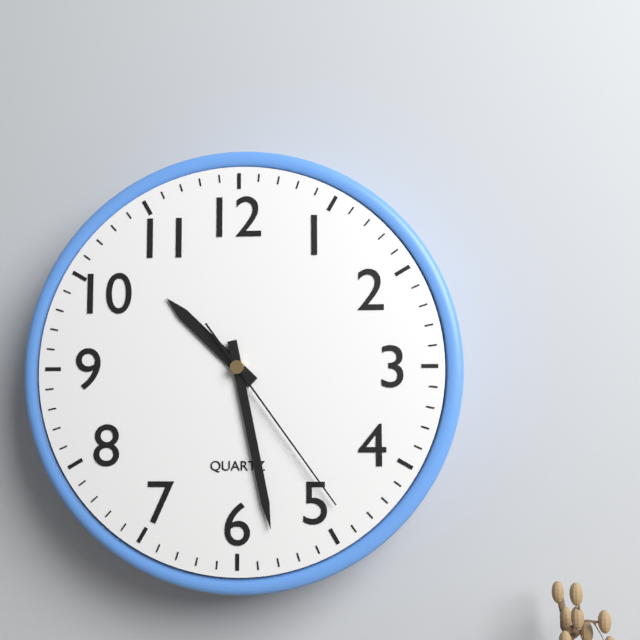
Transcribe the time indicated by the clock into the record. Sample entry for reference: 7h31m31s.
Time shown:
10h28m24s
